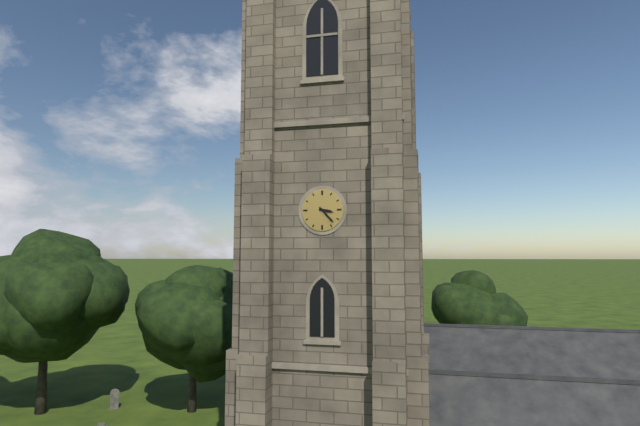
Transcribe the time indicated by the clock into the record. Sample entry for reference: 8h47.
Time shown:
3h23
